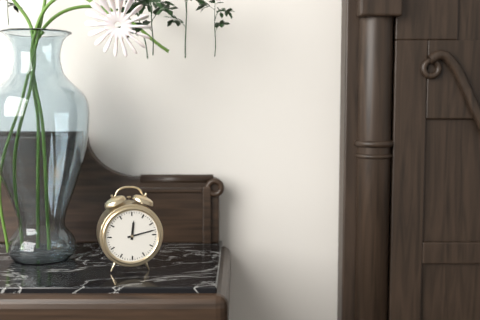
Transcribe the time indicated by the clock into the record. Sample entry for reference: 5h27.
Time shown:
12h13
